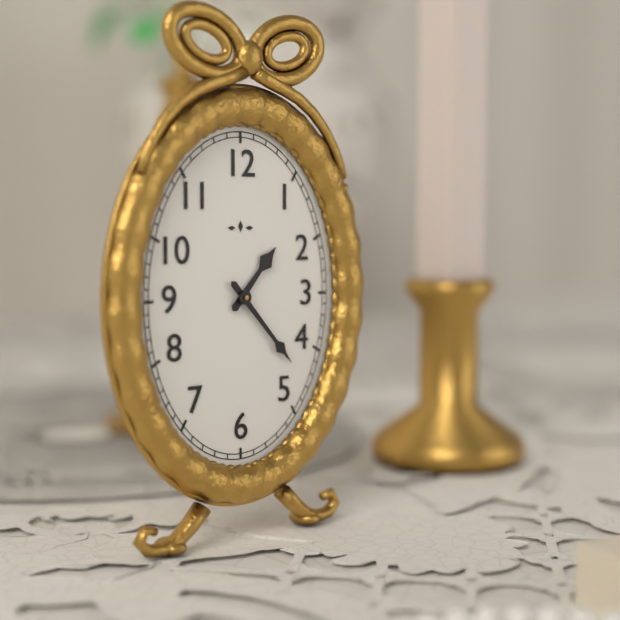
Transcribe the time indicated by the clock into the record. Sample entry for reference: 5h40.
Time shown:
1h23
